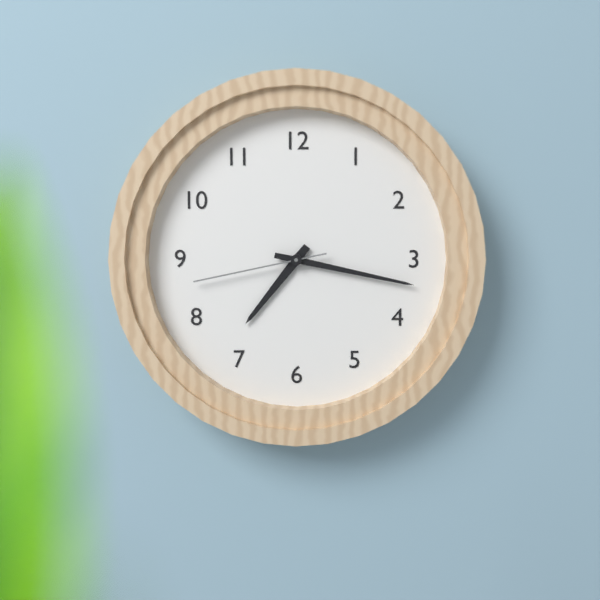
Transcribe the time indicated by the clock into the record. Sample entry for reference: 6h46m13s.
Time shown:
7h17m43s
